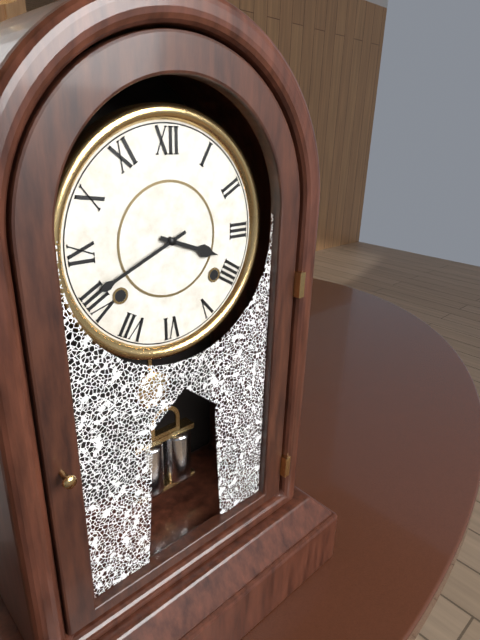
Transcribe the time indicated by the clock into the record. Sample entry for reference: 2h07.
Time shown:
3h41
